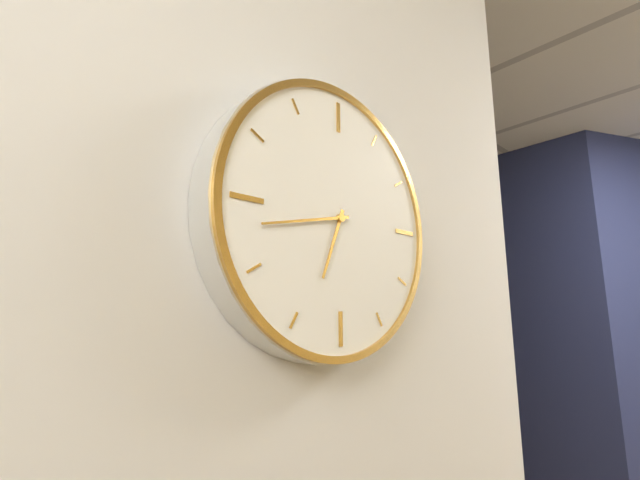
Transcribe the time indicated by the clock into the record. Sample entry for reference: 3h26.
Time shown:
6h43
